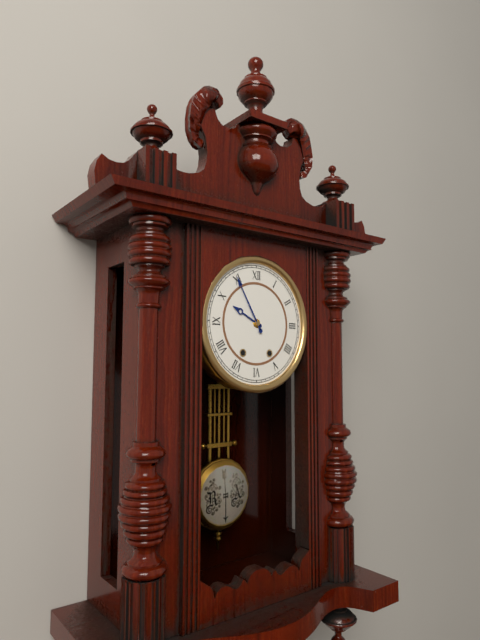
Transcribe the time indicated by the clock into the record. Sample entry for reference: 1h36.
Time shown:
9h55
